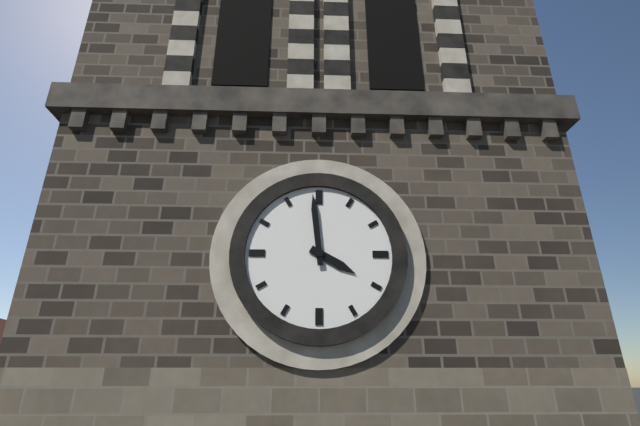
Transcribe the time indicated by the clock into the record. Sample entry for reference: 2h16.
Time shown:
3h59
